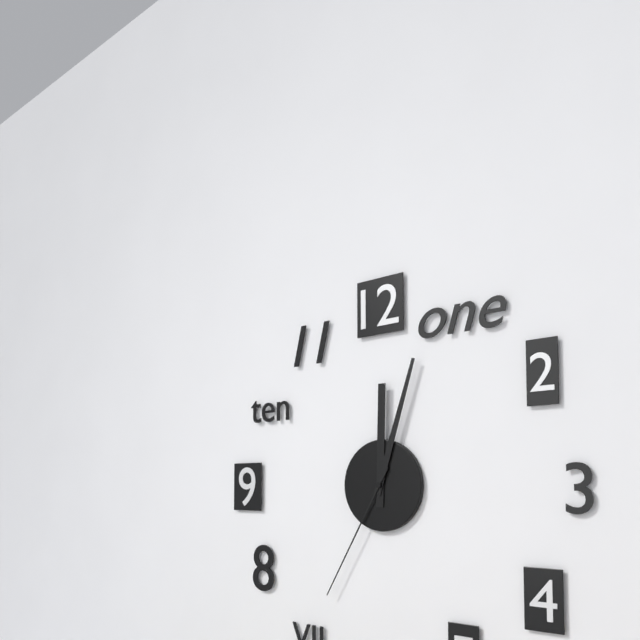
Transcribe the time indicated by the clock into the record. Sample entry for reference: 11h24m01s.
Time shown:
12h03m35s
